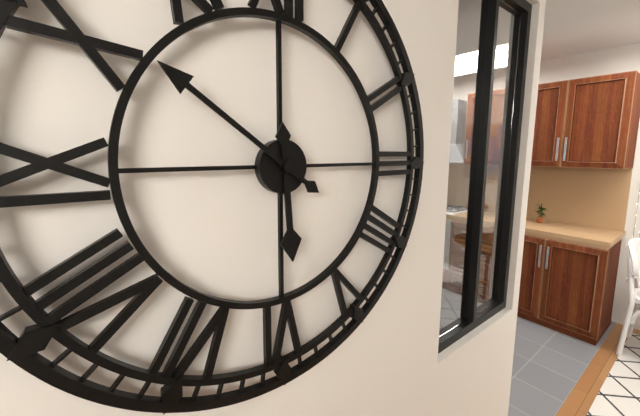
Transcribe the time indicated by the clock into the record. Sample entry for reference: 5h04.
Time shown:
5h51
